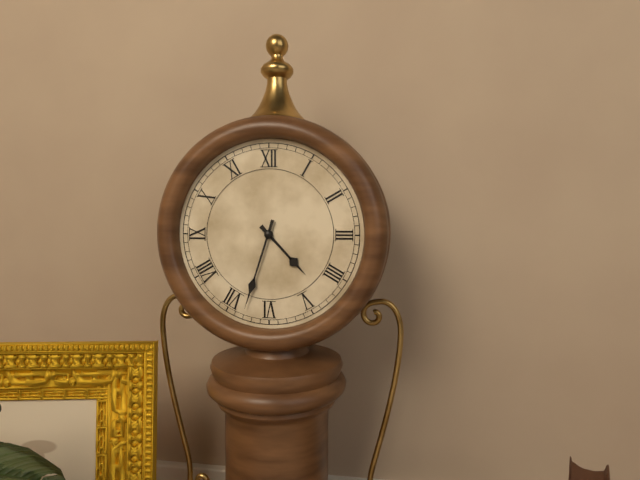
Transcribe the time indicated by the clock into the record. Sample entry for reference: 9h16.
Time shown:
4h33
